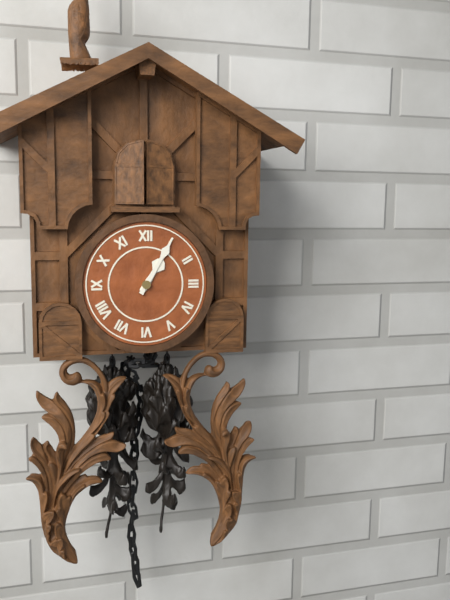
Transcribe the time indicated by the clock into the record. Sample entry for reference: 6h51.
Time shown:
1h05
